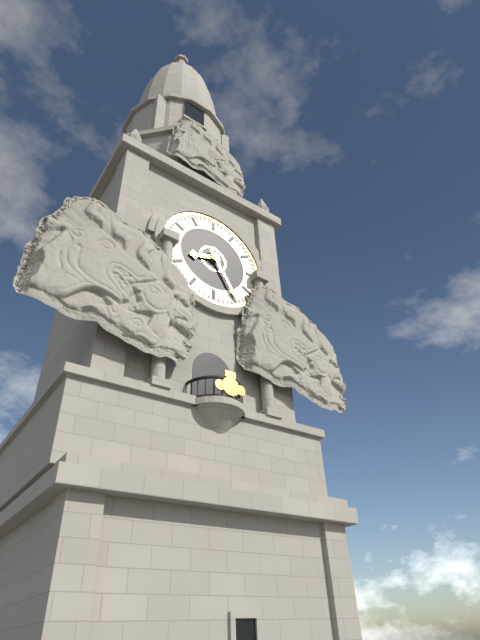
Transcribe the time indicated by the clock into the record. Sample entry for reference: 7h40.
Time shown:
8h25
